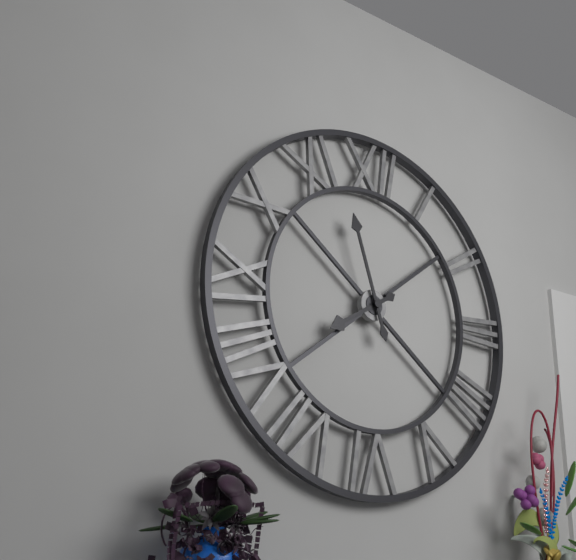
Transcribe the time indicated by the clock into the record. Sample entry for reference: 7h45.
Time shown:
7h57
